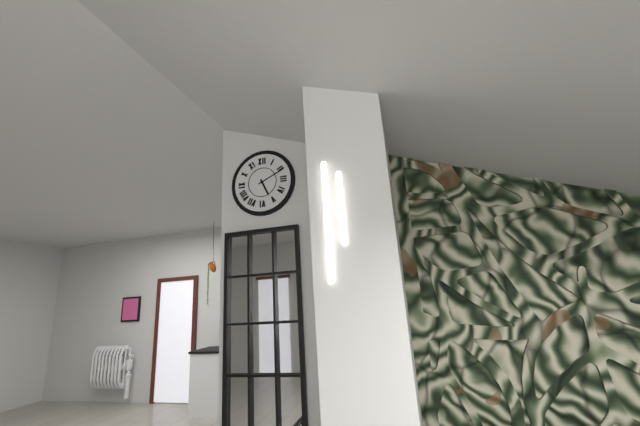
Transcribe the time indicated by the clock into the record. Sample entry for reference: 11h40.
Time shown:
5h11
